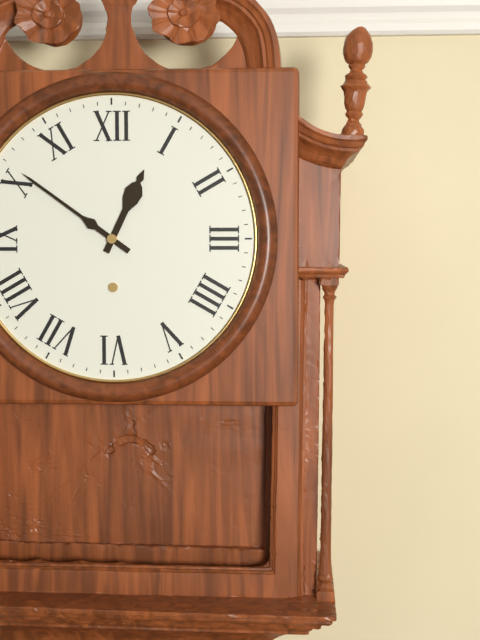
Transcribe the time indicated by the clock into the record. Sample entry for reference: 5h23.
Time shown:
12h51
